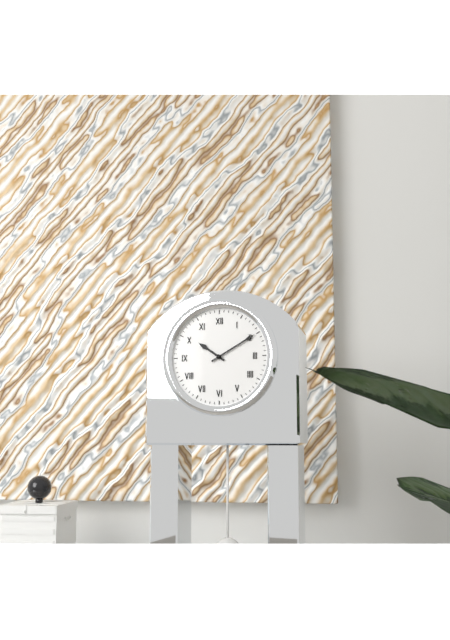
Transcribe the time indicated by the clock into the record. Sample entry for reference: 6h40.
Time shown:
10h10
